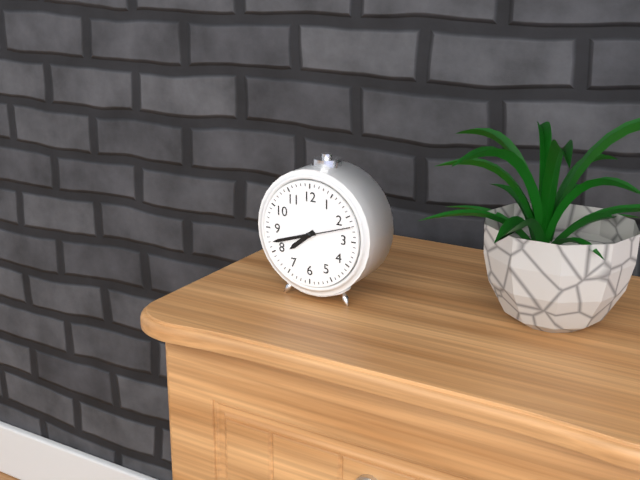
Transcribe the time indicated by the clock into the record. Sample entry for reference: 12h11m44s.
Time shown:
7h42m12s
